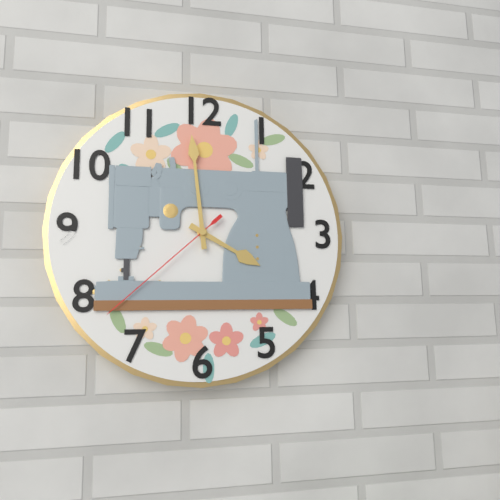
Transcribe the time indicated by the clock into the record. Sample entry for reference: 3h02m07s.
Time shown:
3h59m38s
